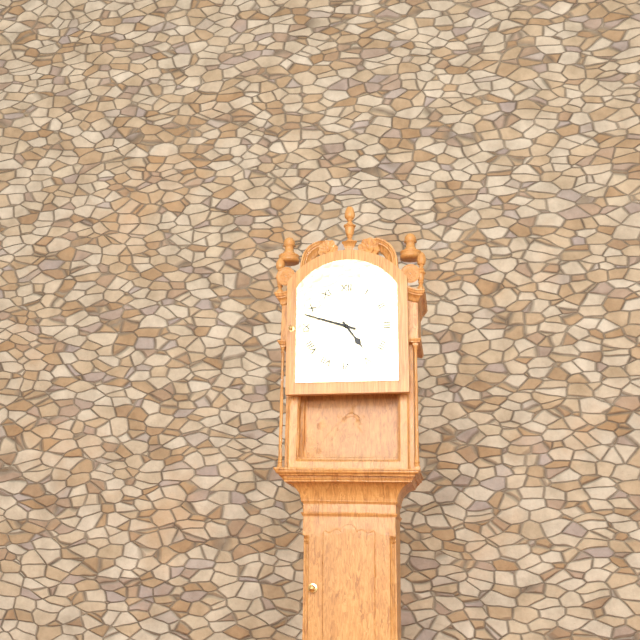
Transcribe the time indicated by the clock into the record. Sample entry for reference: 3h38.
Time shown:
4h48
